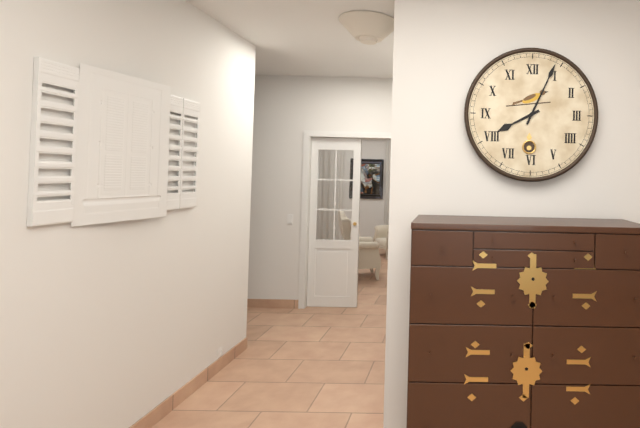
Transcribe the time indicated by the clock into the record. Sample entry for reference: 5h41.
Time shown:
8h04
